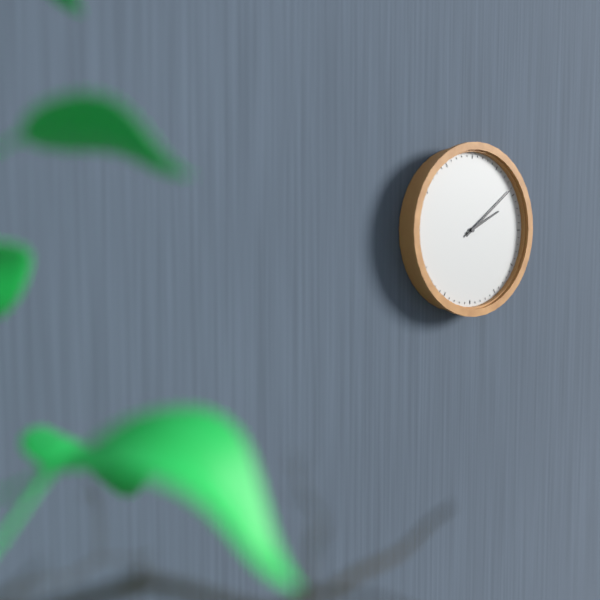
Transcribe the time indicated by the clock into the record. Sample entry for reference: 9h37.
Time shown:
2h09
